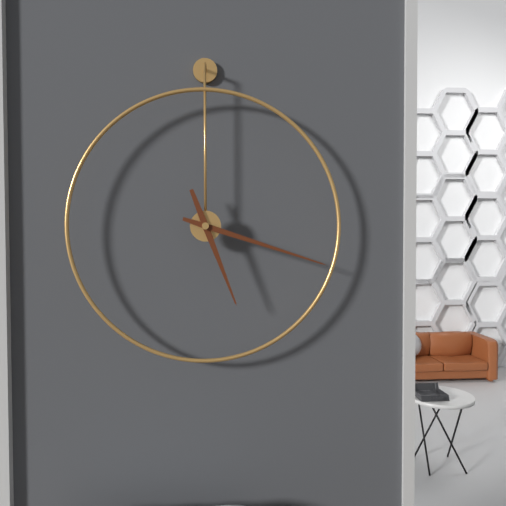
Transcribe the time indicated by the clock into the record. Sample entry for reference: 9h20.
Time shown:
5h18
